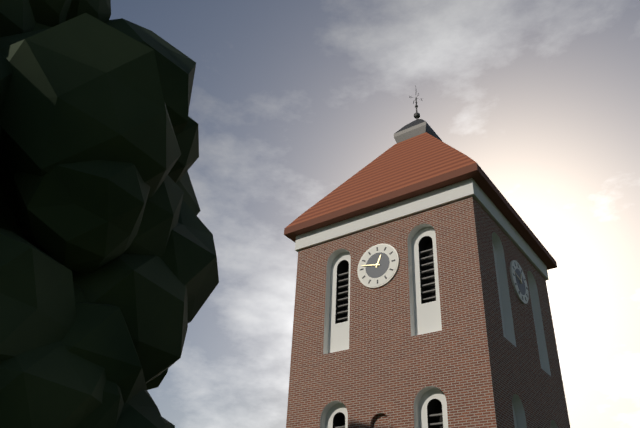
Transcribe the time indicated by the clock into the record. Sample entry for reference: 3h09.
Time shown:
12h47
